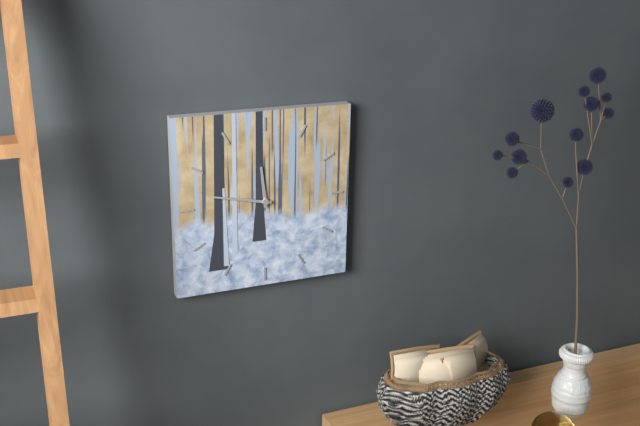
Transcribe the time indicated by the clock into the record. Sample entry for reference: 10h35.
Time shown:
11h47
